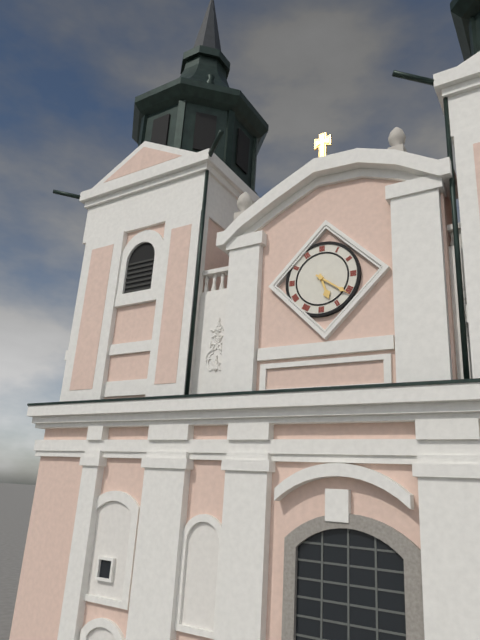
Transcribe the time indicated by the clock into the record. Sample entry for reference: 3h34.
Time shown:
5h21
